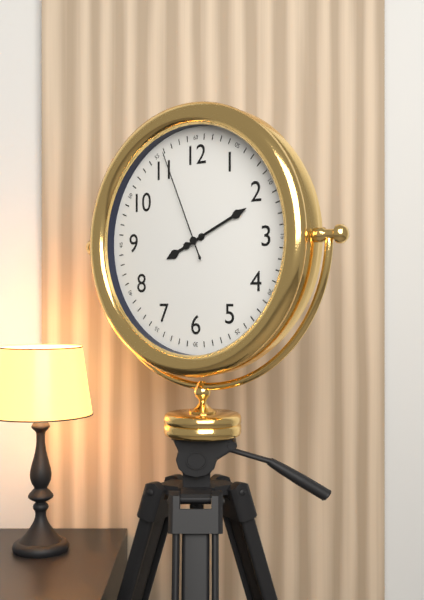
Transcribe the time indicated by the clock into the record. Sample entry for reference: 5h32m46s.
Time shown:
8h11m56s
